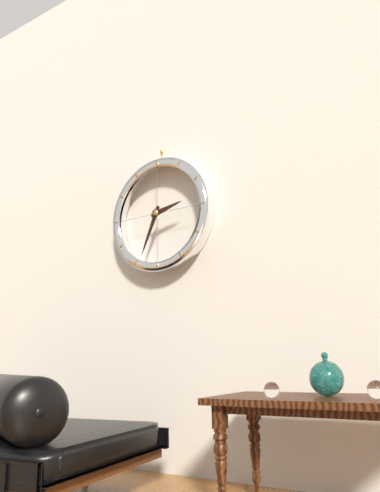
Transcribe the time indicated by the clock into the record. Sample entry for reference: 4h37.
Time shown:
2h34
